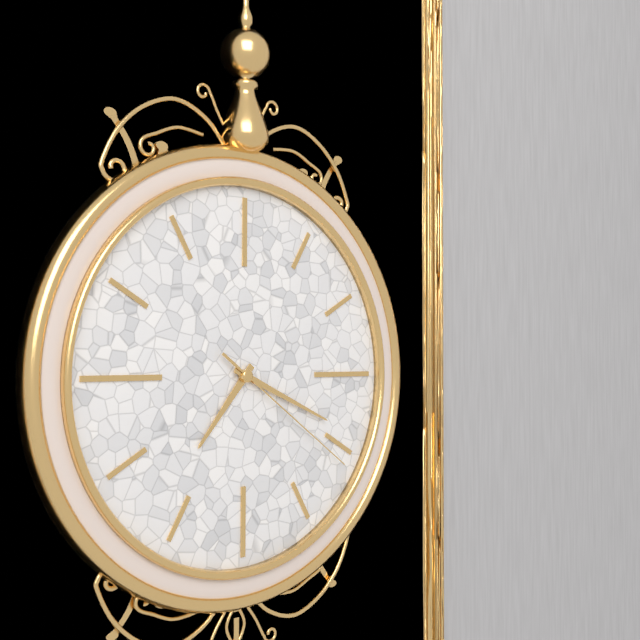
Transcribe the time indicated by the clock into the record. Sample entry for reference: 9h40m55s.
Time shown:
7h19m21s
